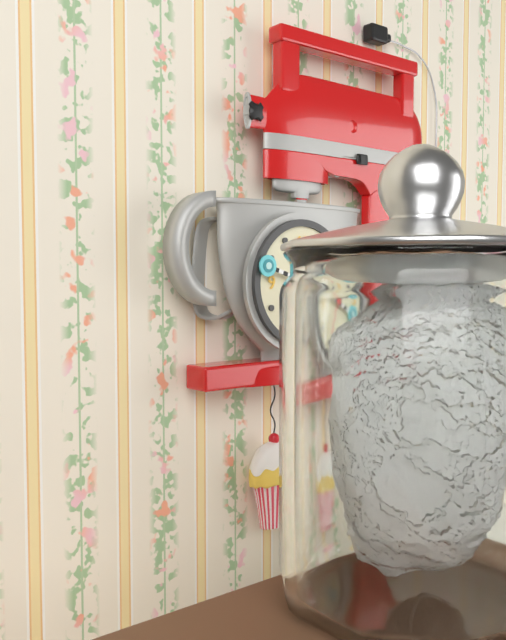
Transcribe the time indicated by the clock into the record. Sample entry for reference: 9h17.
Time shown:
3h48
